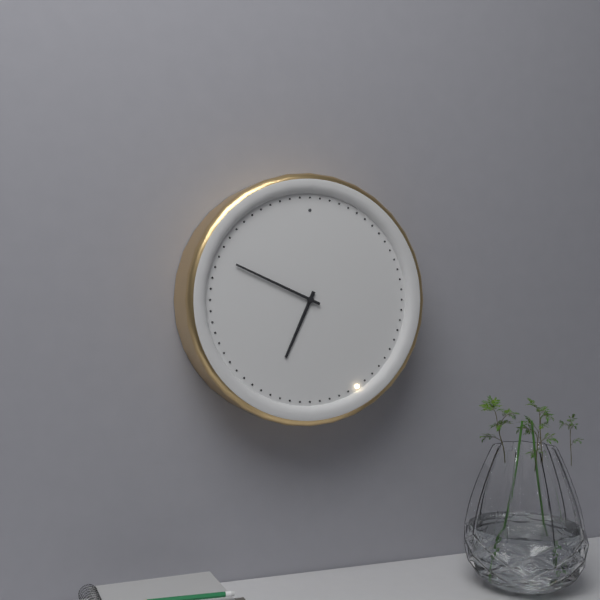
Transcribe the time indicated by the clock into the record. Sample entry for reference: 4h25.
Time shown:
6h49
